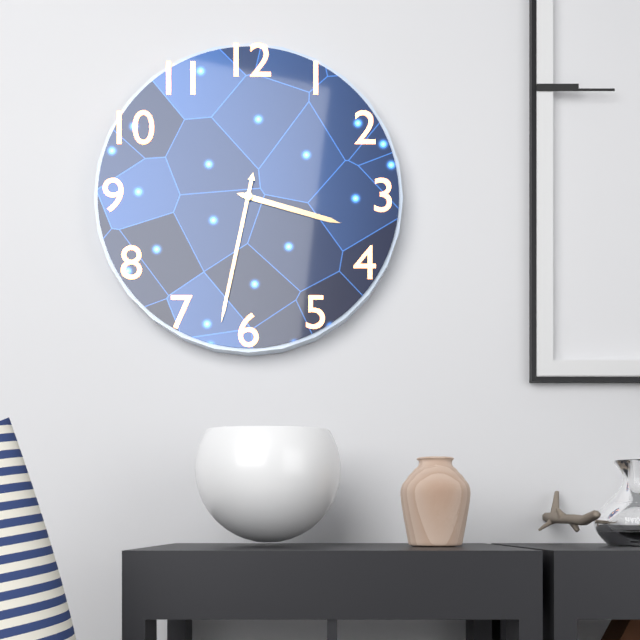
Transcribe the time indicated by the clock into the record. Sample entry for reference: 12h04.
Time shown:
3h32
